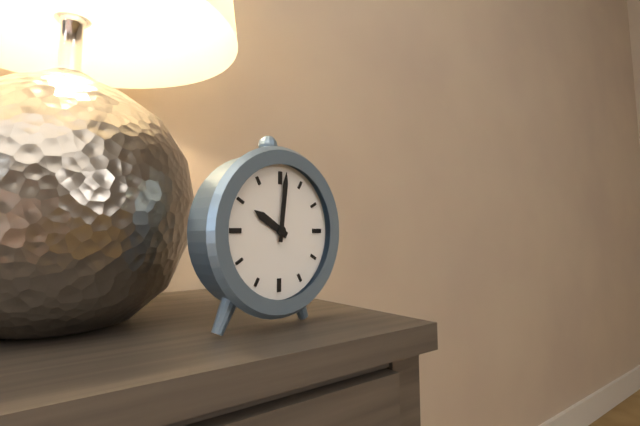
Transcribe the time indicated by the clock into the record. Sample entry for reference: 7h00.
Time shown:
10h01
